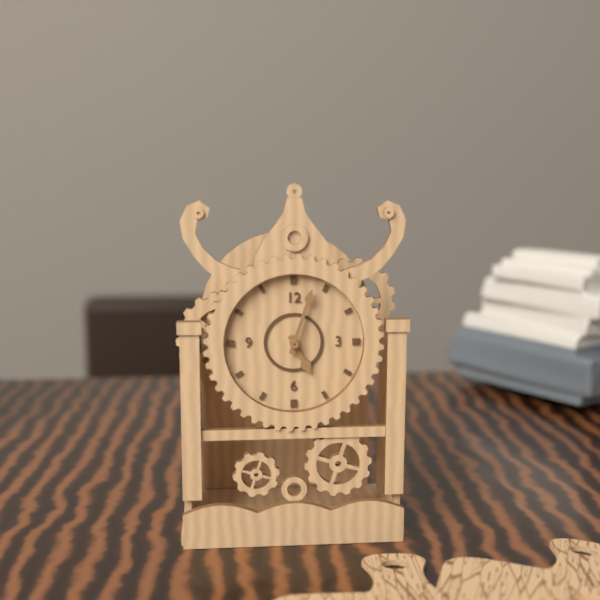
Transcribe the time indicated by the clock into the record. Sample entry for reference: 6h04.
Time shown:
5h03
